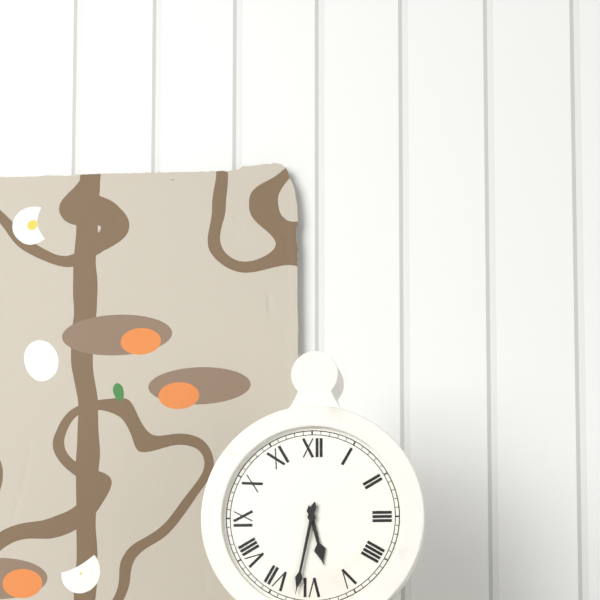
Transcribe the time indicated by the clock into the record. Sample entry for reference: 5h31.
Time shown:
5h32
